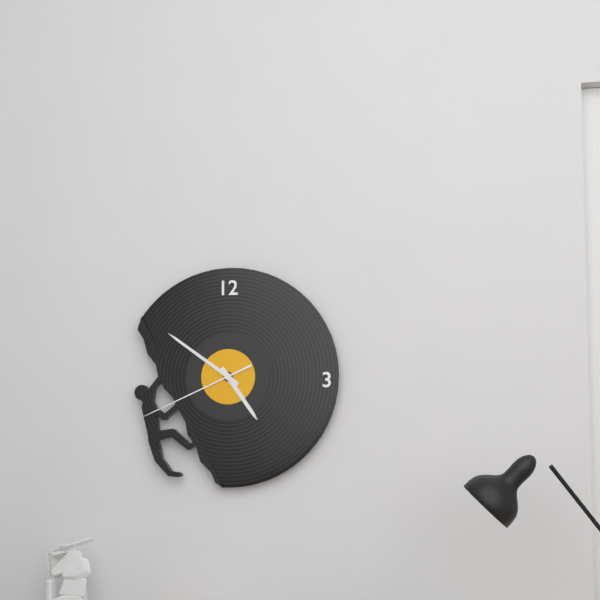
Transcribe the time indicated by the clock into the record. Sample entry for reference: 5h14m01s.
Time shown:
4h51m41s
